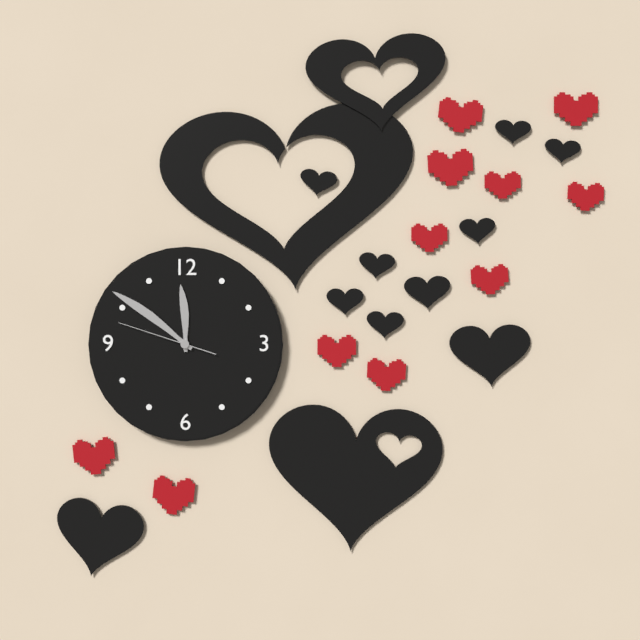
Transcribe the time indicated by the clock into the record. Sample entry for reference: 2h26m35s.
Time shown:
11h51m48s
